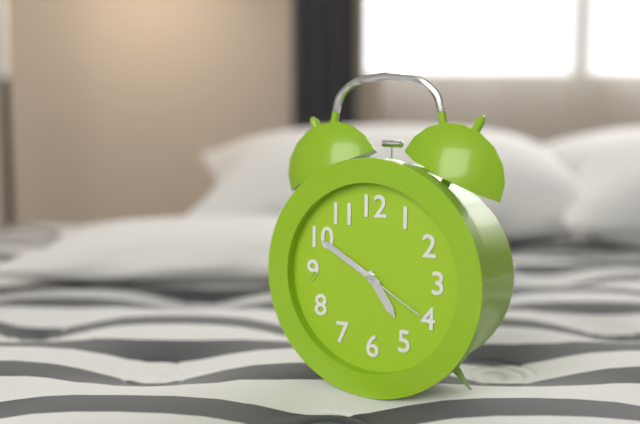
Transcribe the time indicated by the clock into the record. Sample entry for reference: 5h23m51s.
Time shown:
4h50m20s
